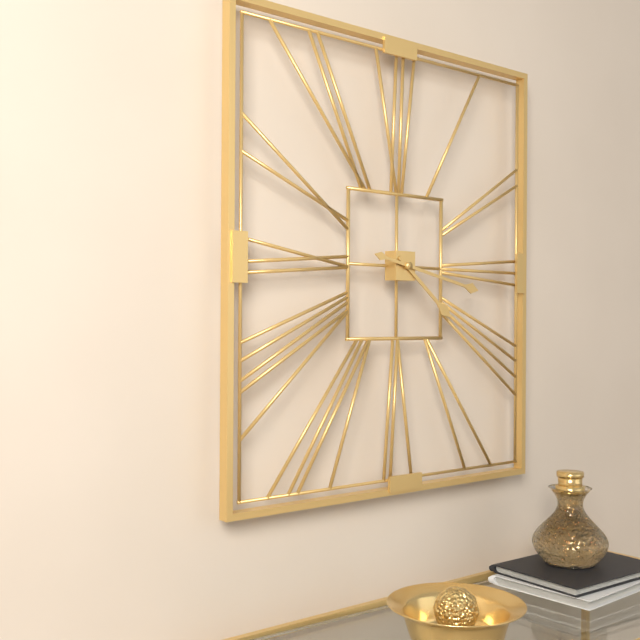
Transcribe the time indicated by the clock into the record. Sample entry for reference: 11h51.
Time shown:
4h17
